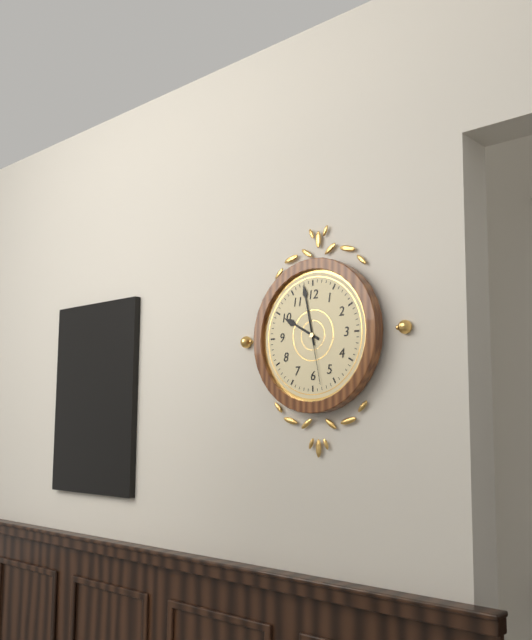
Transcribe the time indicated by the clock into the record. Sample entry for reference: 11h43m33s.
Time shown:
9h58m28s
